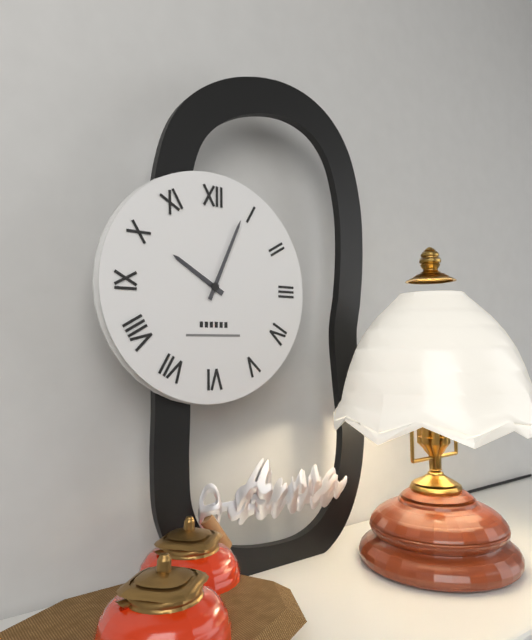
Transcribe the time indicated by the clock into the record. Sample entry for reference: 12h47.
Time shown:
10h04
